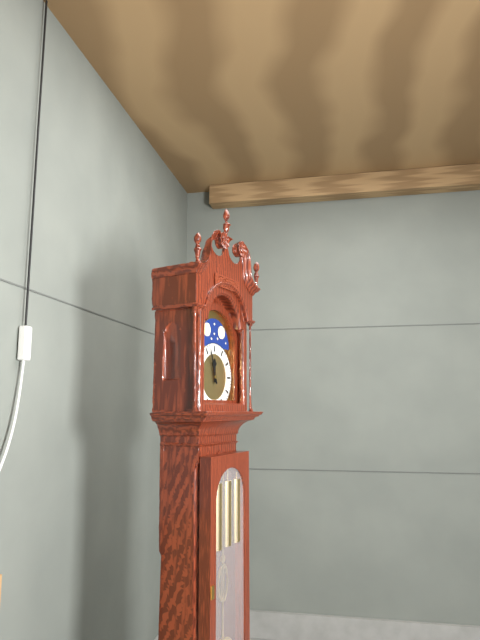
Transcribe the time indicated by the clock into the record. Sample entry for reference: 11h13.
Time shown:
11h57
